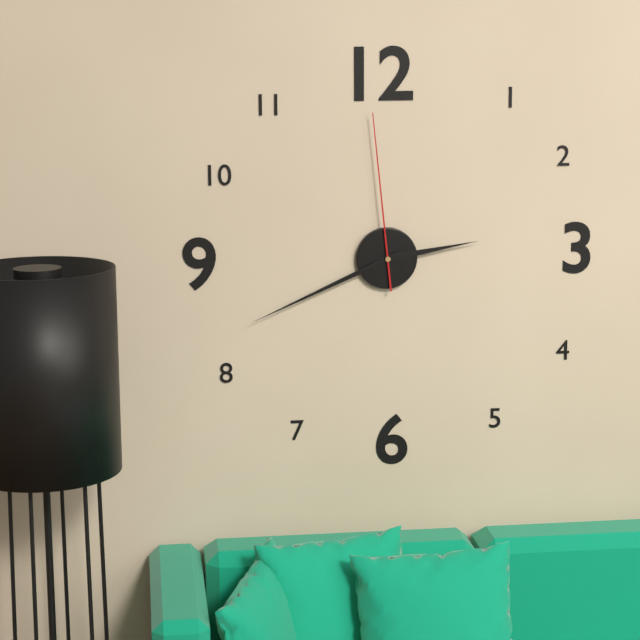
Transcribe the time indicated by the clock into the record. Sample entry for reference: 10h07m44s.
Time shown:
2h41m59s
